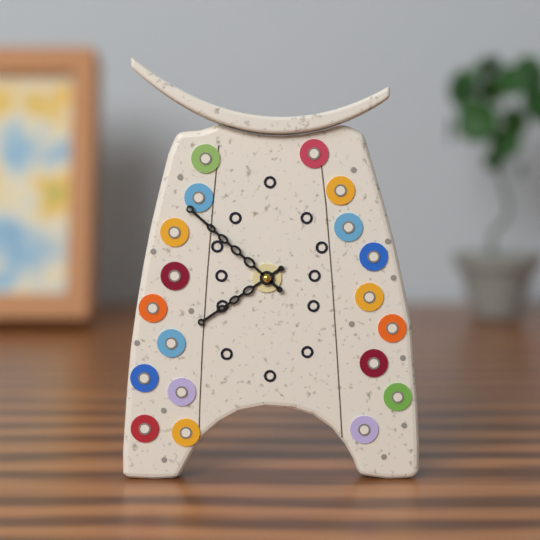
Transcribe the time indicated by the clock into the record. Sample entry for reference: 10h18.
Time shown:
7h52
